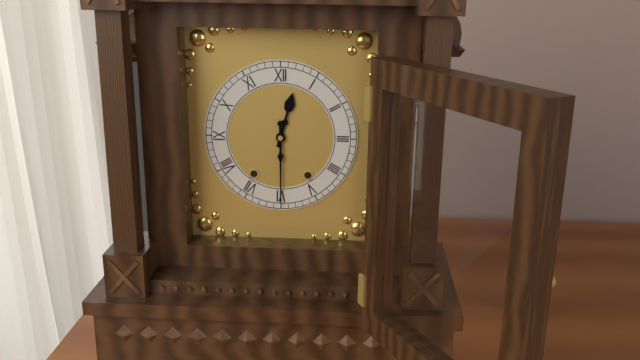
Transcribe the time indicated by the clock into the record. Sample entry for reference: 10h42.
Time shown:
12h30
